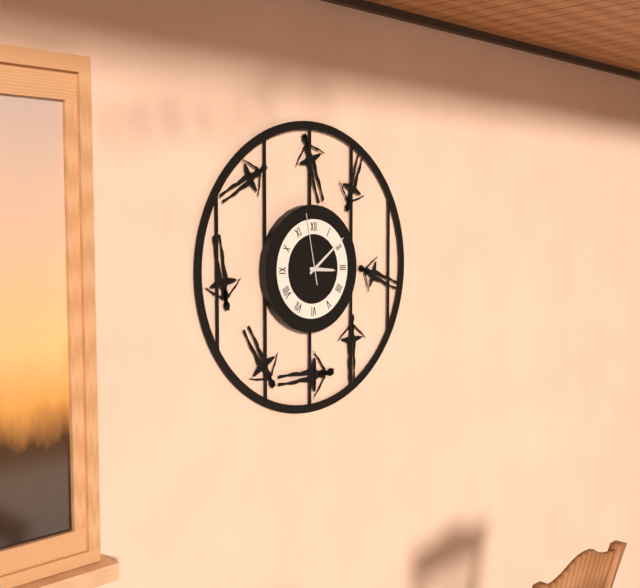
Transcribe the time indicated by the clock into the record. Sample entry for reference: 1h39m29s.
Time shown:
3h09m58s
